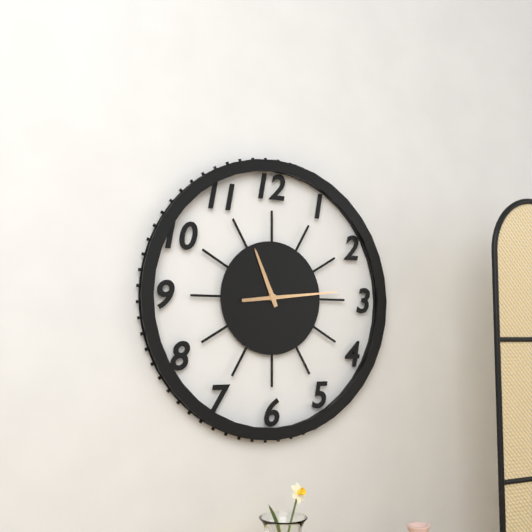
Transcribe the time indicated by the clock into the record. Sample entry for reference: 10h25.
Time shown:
11h14
